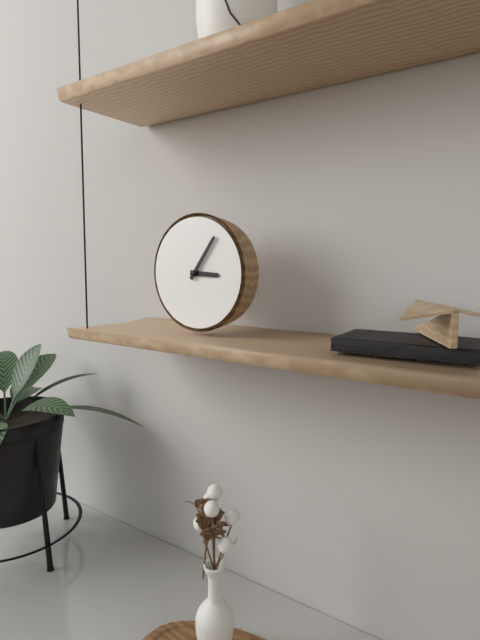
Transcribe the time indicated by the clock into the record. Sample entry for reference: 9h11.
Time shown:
3h06
